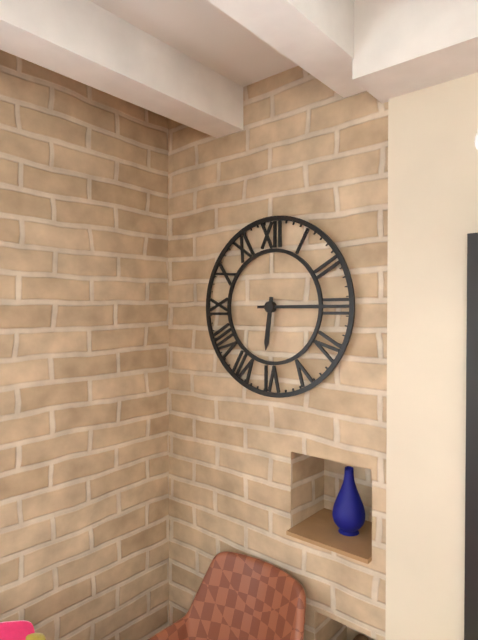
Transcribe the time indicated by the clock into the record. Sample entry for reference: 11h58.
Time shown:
6h15
